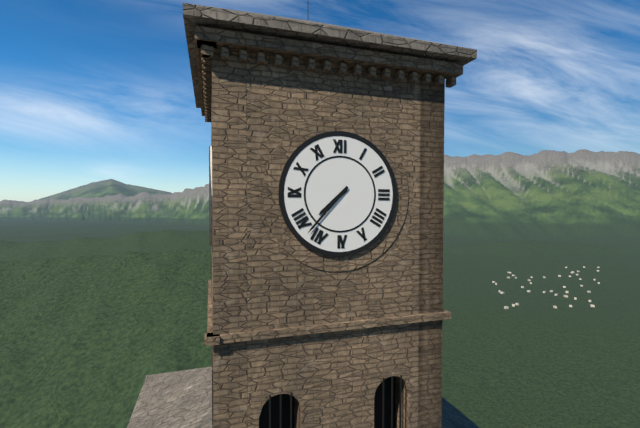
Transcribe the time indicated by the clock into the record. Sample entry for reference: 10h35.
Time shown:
7h37
